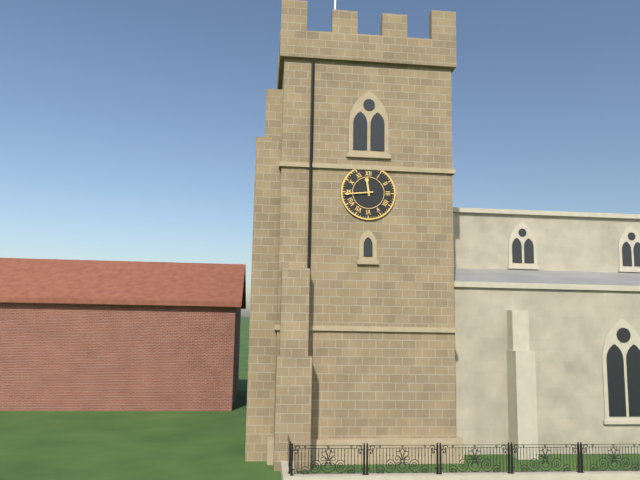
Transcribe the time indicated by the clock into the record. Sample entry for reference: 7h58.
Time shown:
11h44
